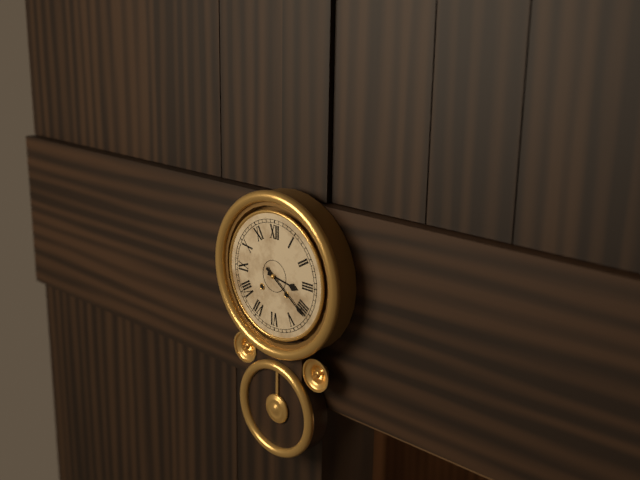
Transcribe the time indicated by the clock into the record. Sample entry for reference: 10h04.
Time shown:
3h21
